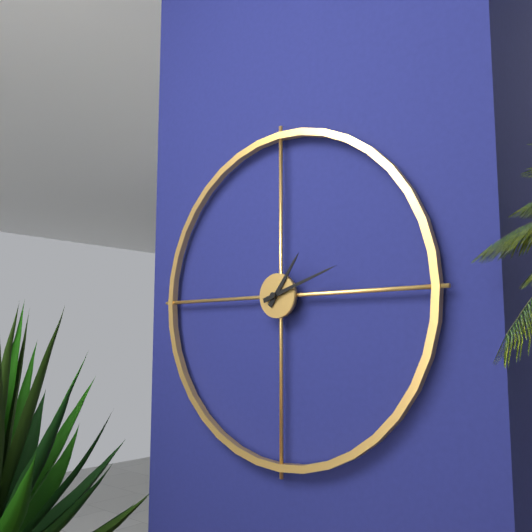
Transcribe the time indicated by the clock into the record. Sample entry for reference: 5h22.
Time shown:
1h12
